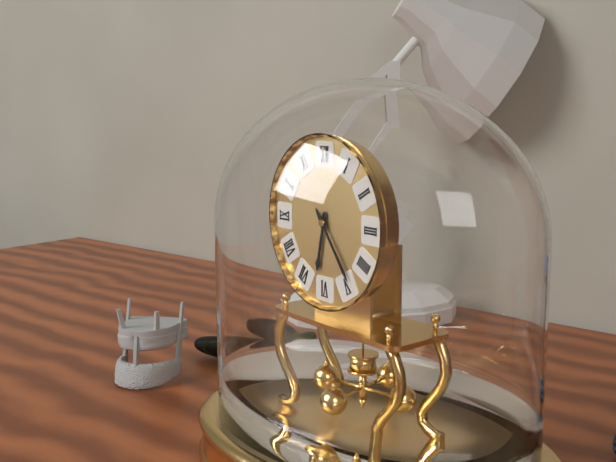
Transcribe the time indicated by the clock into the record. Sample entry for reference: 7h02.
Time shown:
6h24
